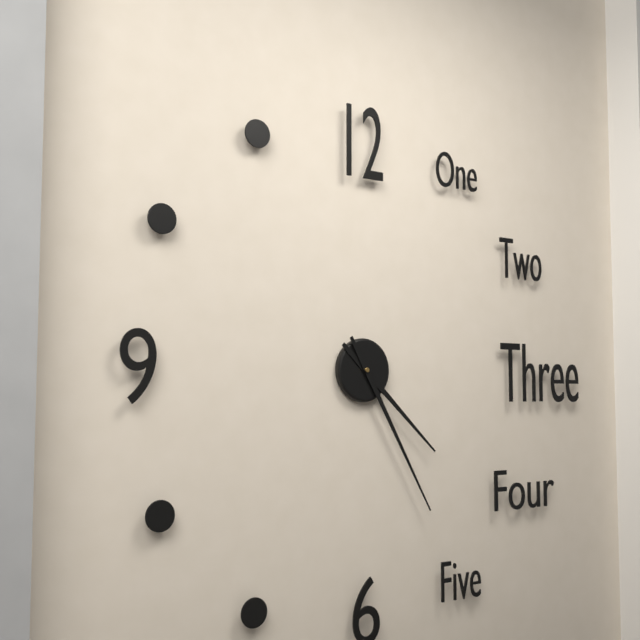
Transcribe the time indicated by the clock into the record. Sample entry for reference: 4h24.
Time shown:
4h25
